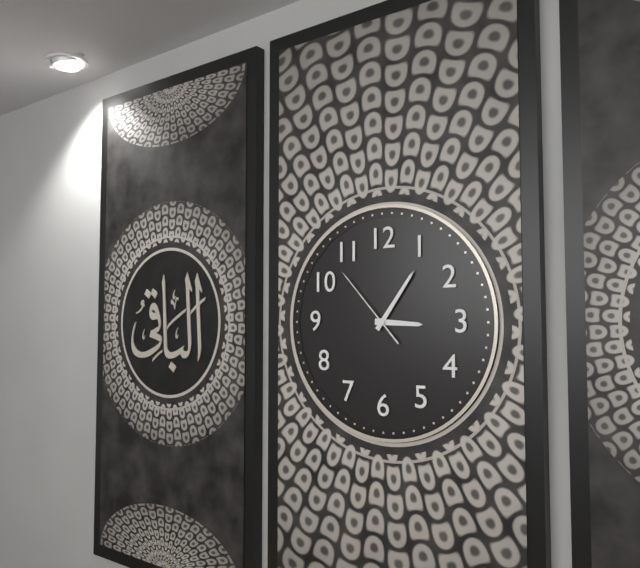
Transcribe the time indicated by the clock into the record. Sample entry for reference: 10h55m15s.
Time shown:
3h06m53s
